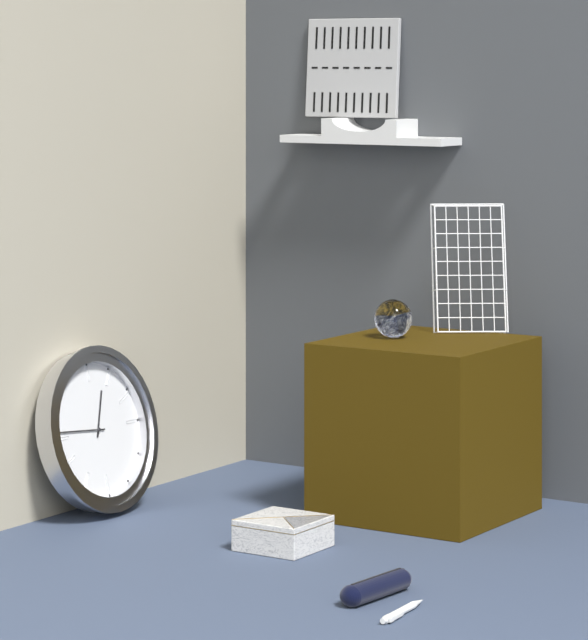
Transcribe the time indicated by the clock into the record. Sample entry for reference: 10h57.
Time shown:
12h46
